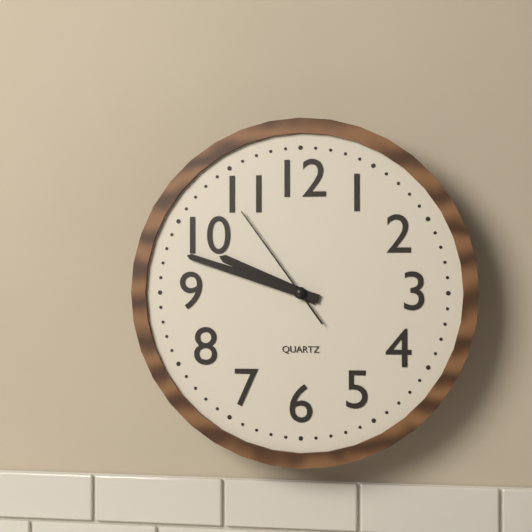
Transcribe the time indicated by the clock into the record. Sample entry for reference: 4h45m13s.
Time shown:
9h48m54s
